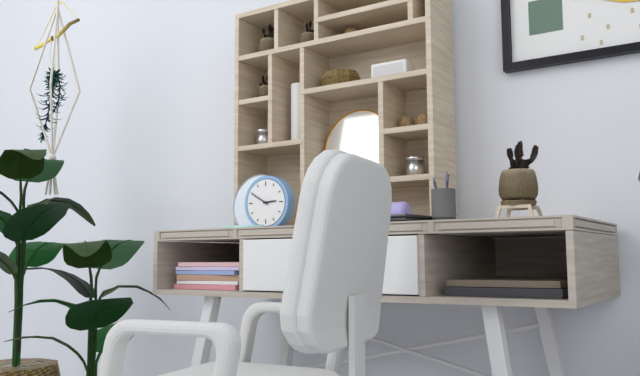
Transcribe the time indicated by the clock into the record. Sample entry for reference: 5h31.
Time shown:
2h50
